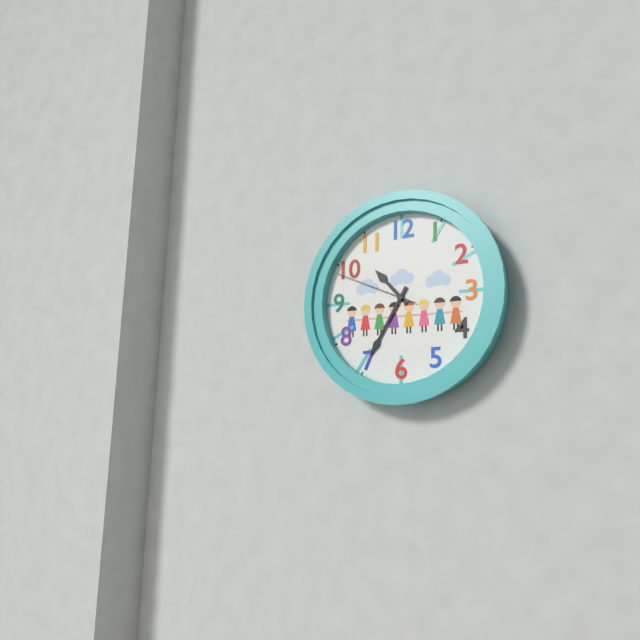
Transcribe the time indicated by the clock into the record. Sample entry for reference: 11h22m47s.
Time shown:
10h35m49s
